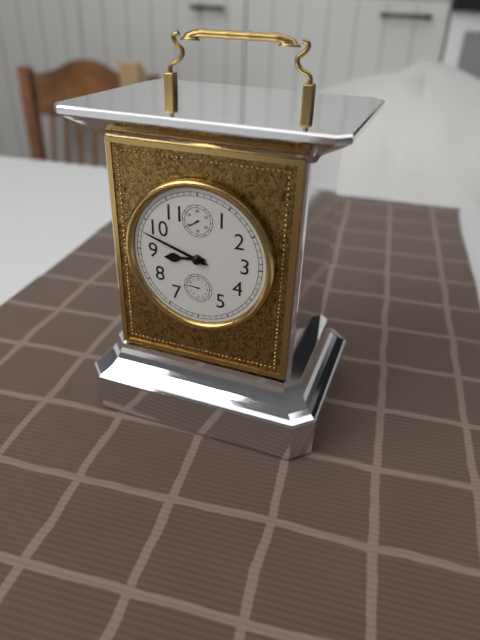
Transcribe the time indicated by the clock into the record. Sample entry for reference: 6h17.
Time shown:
8h48
